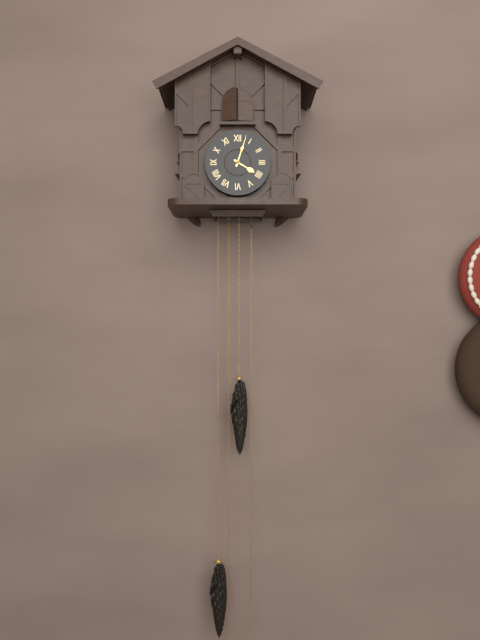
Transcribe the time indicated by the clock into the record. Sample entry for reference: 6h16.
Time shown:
4h03
